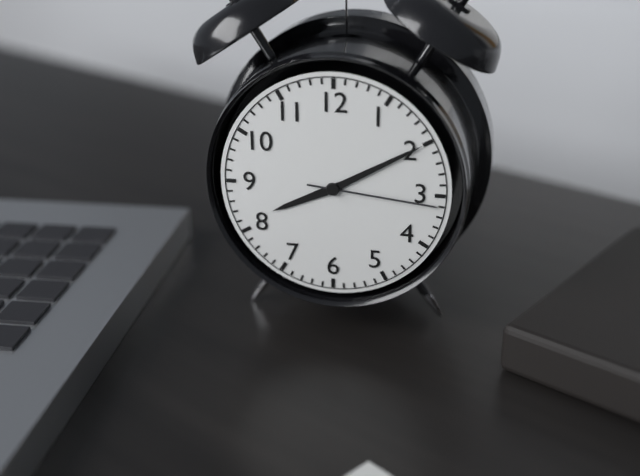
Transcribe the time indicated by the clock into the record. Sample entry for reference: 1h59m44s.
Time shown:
8h10m16s
